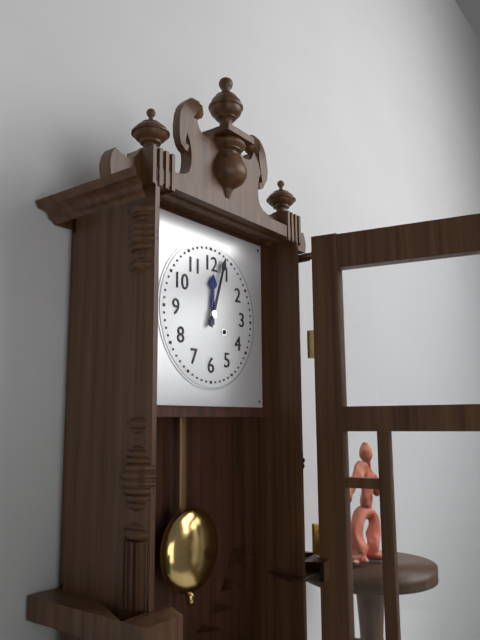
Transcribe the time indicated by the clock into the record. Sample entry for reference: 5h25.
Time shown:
12h03
